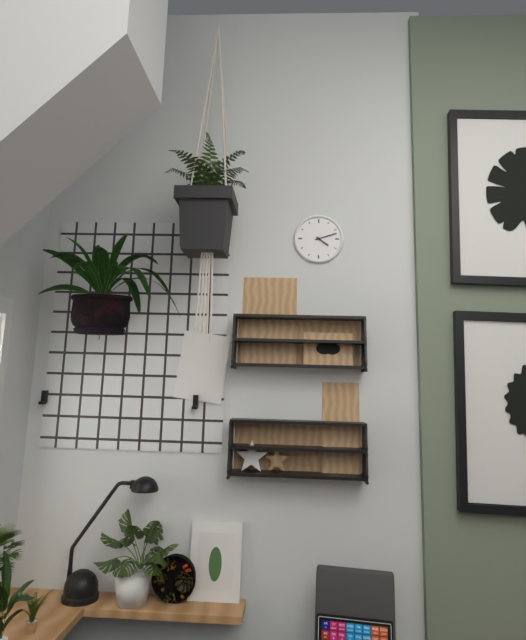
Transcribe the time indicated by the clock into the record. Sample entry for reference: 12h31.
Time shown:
4h12
